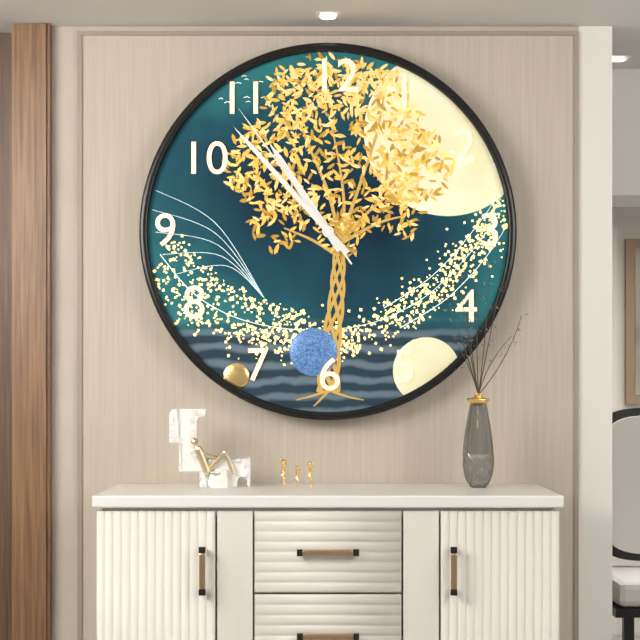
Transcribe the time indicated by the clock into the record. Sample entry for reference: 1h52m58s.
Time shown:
10h53m54s
